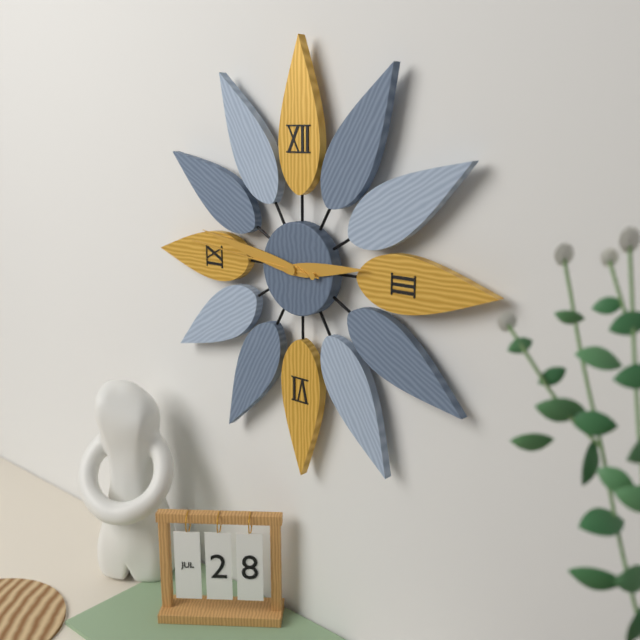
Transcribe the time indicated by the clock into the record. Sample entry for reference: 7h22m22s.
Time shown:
2h47m46s
